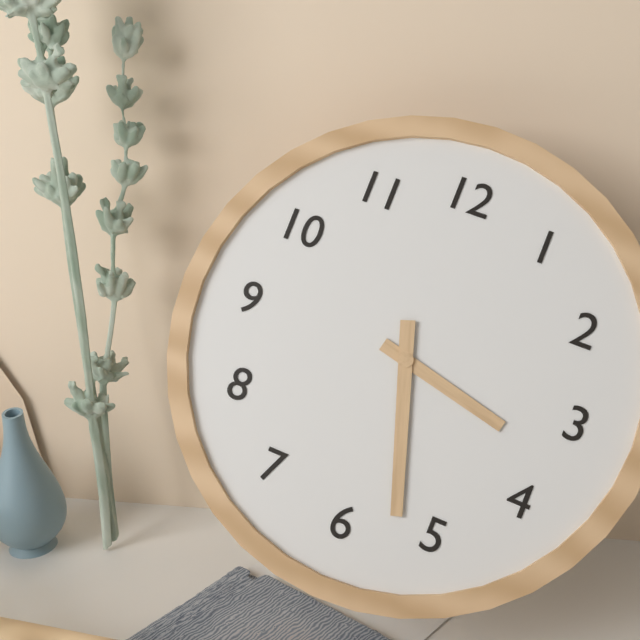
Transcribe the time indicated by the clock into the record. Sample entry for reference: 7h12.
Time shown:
3h27
